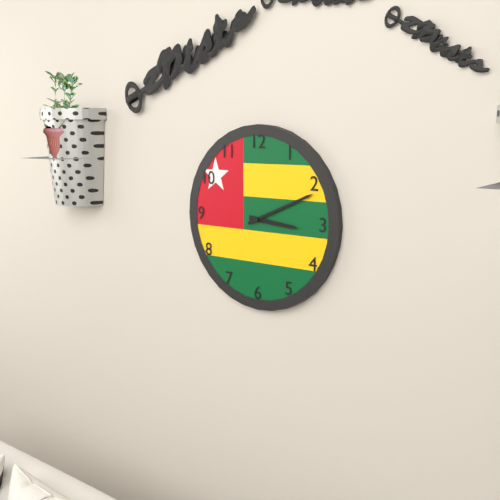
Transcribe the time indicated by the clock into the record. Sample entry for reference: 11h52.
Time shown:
3h11
